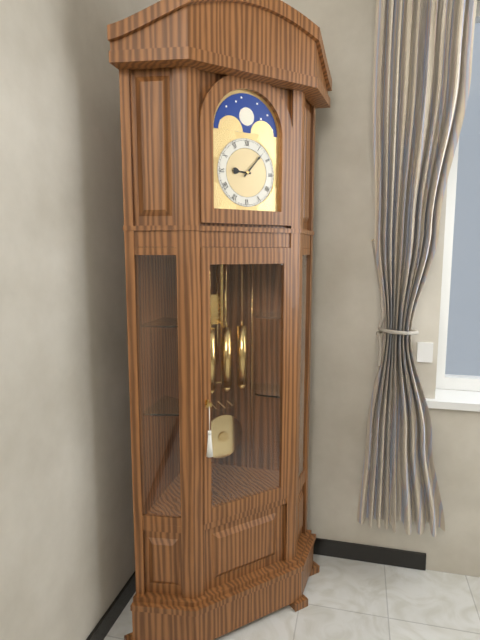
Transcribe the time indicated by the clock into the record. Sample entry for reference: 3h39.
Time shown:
9h07
